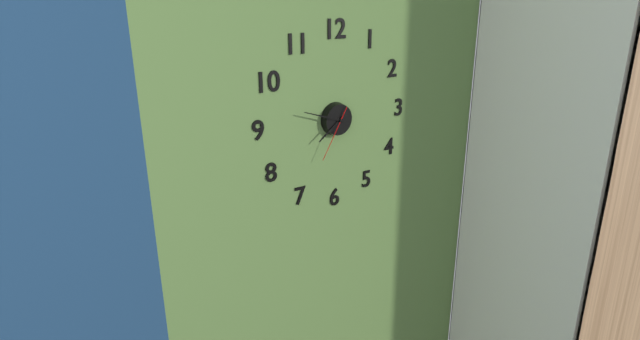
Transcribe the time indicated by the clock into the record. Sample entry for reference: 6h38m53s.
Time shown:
7h48m35s
